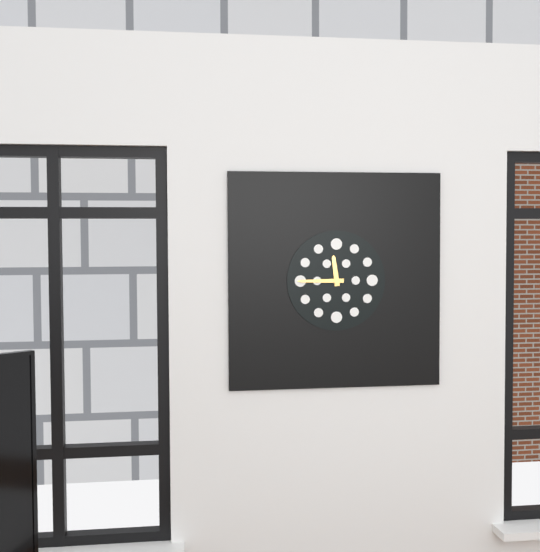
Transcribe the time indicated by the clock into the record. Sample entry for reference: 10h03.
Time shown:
11h45
